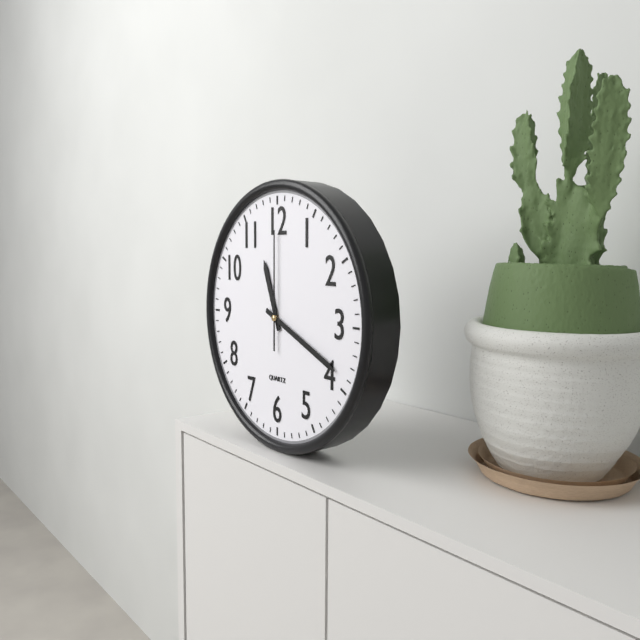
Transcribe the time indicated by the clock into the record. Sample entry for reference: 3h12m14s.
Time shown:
11h19m00s
